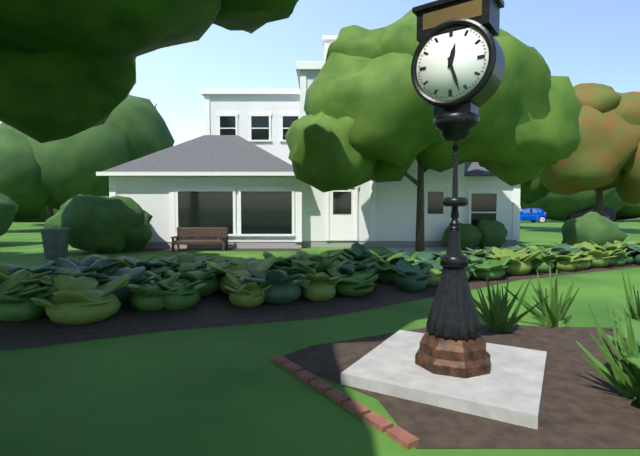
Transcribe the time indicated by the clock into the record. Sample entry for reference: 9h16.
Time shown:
12h27
